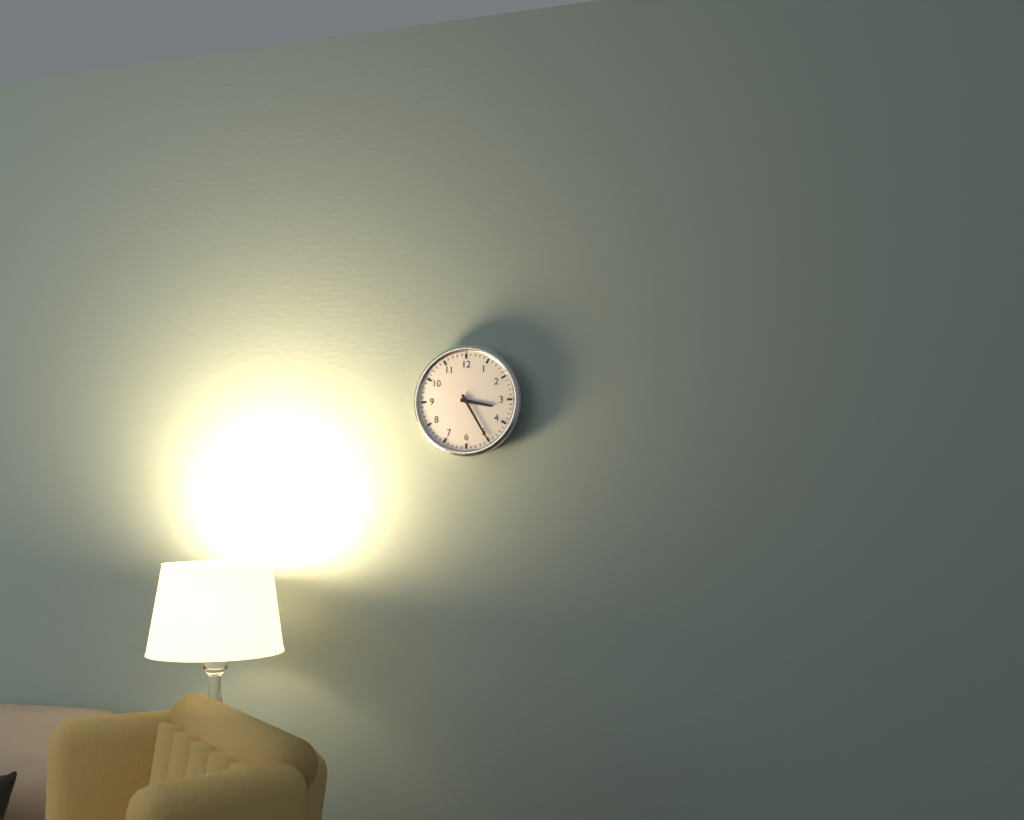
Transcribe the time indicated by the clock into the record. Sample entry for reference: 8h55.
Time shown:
3h25
